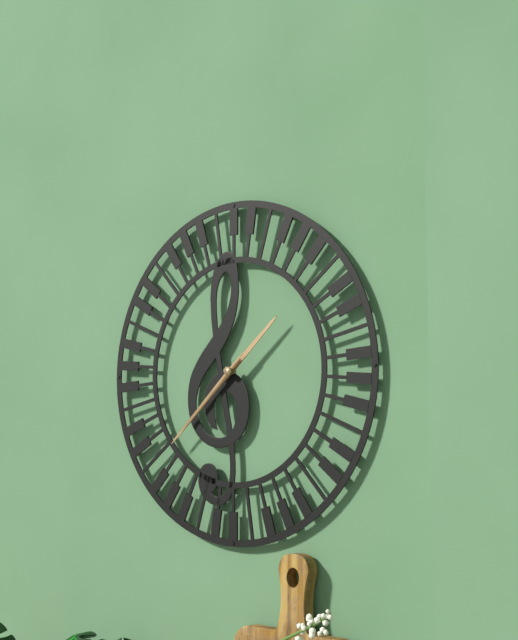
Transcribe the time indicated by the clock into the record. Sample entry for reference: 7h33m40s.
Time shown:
1h38m38s
